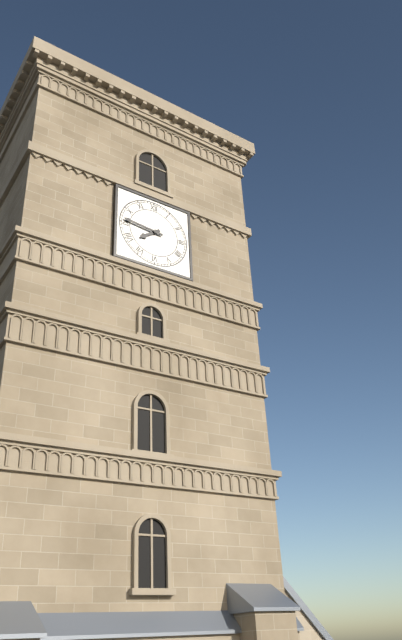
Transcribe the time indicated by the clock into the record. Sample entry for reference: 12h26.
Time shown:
7h46
